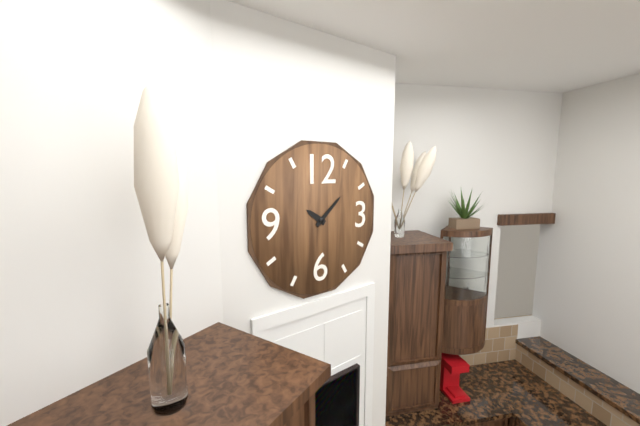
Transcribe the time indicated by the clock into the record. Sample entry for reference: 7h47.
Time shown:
10h08
